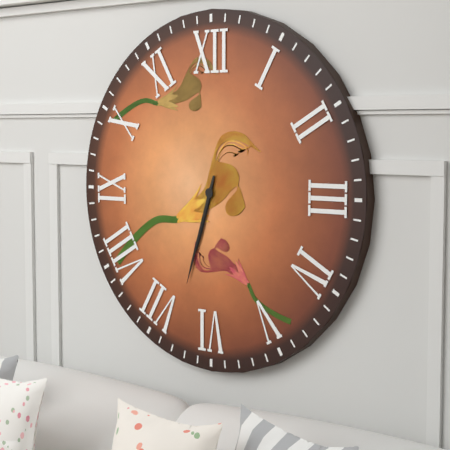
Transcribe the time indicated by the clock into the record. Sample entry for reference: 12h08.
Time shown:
6h33
